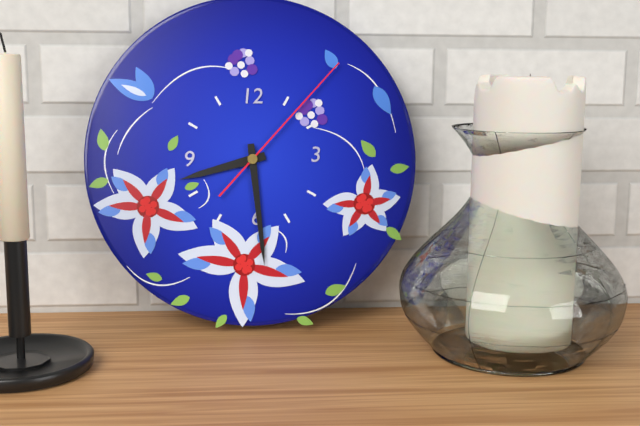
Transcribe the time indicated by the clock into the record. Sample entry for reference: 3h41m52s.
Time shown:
8h29m07s
